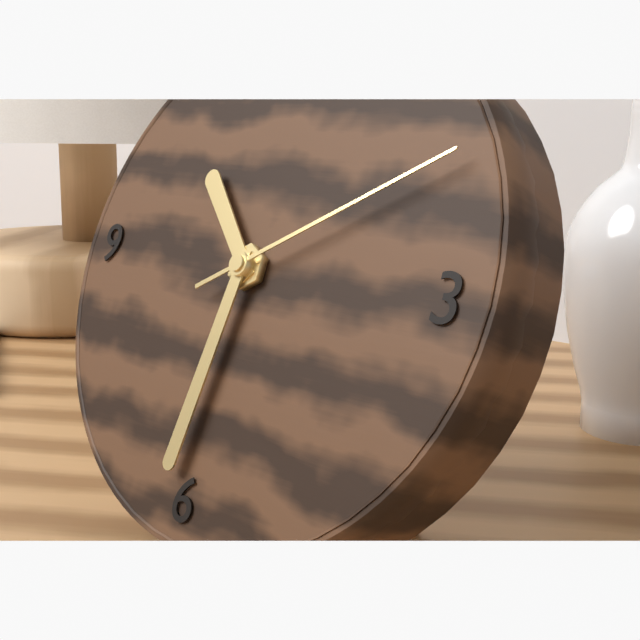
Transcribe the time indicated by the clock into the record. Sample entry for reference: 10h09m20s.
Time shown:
10h31m10s
